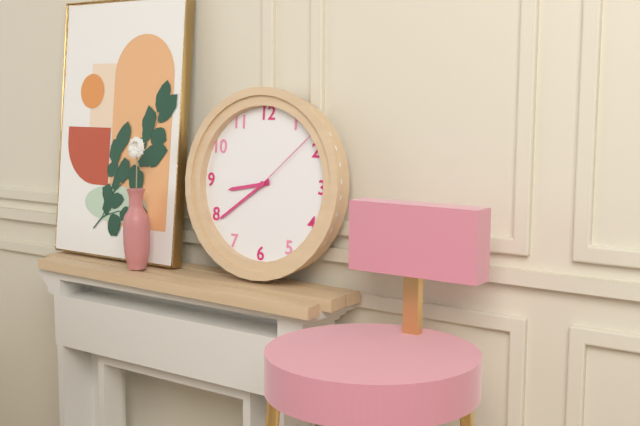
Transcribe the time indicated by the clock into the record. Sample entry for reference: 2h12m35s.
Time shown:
8h39m08s
